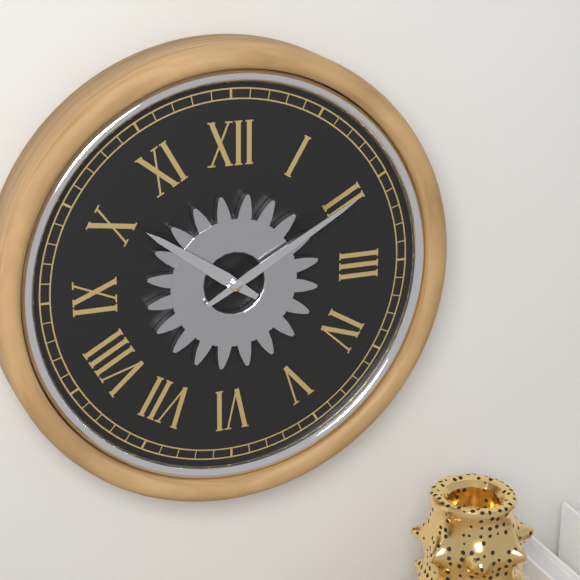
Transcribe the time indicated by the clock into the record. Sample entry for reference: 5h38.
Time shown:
10h10
